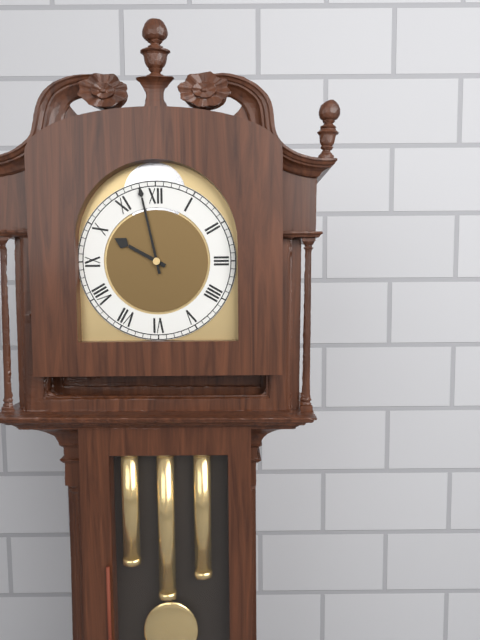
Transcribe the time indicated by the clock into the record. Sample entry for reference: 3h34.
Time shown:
9h58
